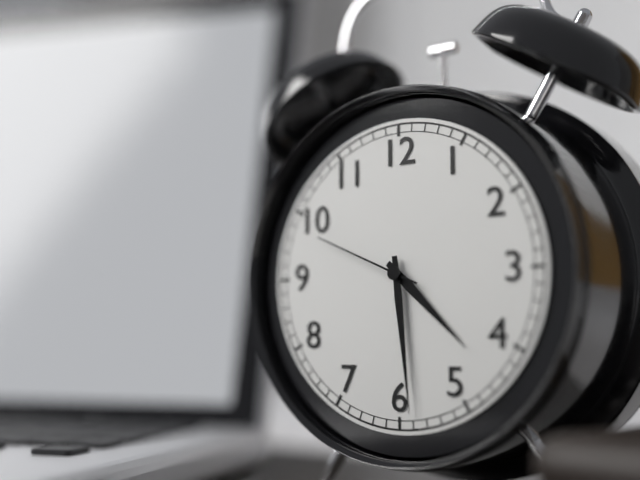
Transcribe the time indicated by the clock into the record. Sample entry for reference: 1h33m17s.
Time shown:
4h29m49s
